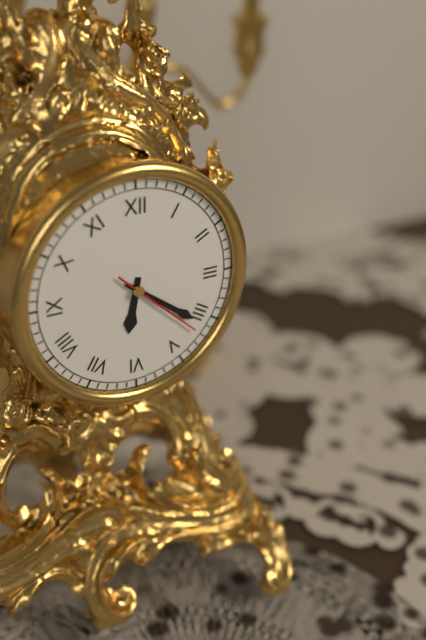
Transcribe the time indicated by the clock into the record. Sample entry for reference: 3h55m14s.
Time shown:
6h21m22s
